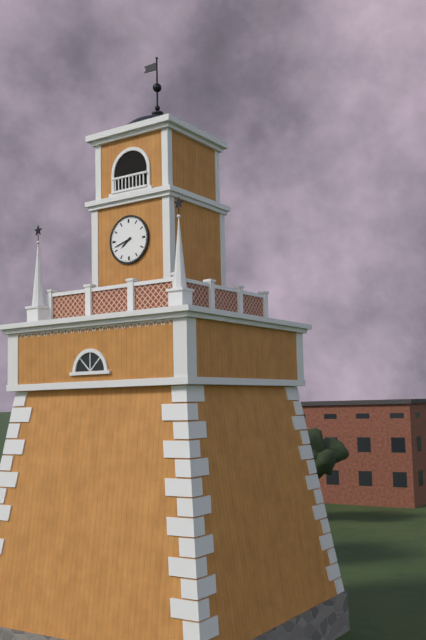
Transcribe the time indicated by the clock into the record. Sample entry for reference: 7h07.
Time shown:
7h42
